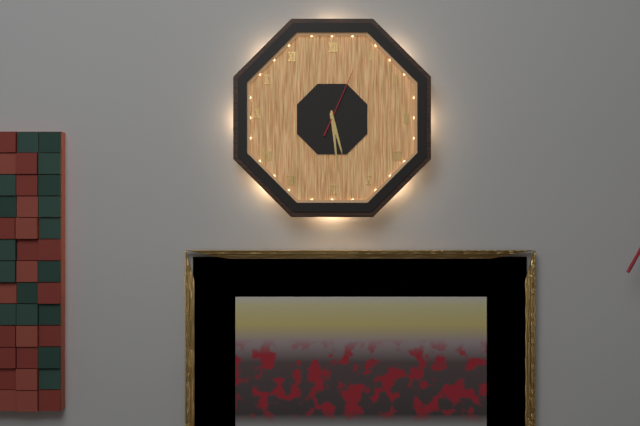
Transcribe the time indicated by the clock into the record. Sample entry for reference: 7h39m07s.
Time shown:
5h29m04s
